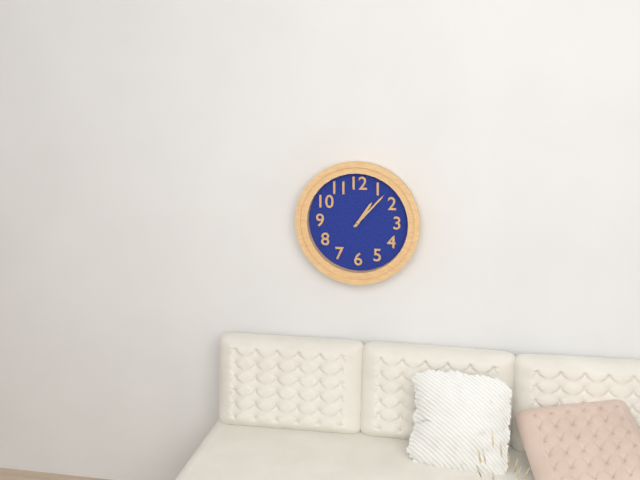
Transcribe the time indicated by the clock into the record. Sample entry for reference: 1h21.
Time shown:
1h07
